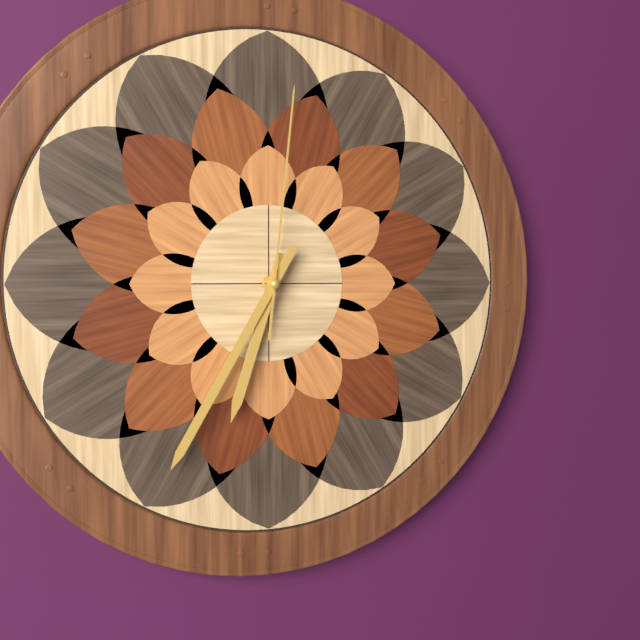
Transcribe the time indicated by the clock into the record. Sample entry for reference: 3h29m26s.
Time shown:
6h35m01s
